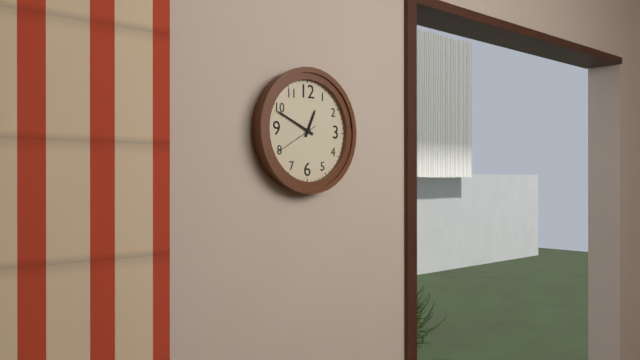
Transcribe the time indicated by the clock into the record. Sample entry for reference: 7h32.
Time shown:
12h49
